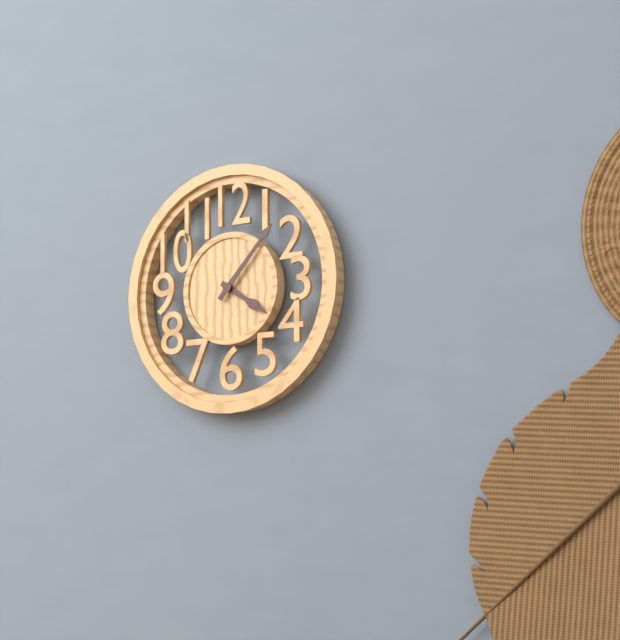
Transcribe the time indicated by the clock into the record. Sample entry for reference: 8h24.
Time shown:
4h07
